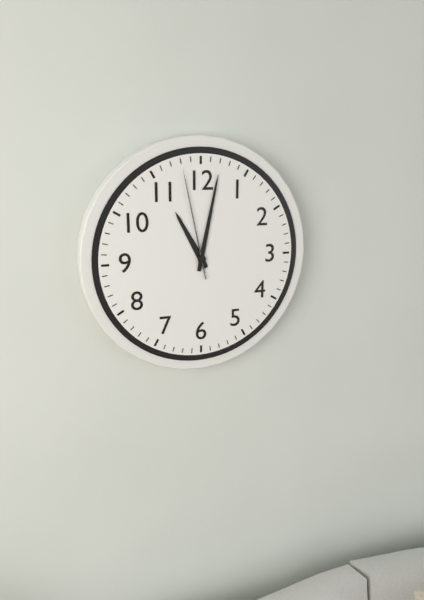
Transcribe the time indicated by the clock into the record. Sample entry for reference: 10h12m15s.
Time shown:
11h02m58s
